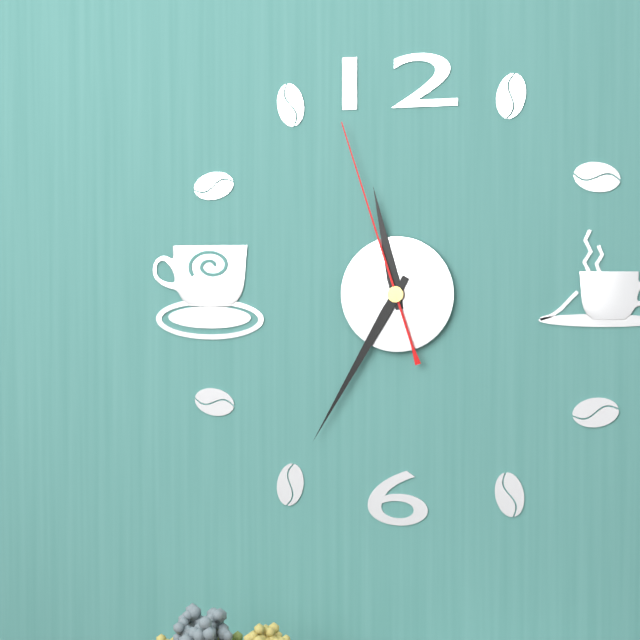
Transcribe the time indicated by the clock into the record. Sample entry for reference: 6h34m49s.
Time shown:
11h35m57s
